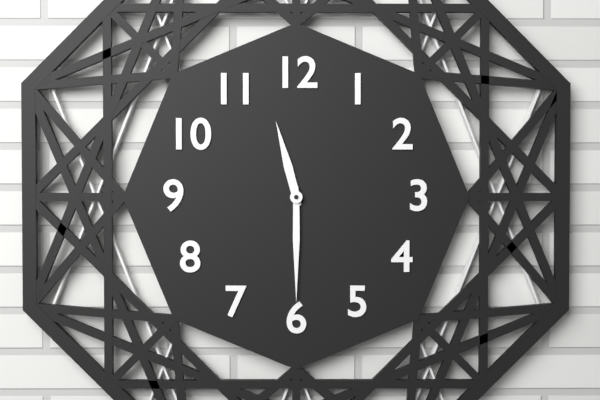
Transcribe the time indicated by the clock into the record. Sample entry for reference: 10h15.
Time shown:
11h30
